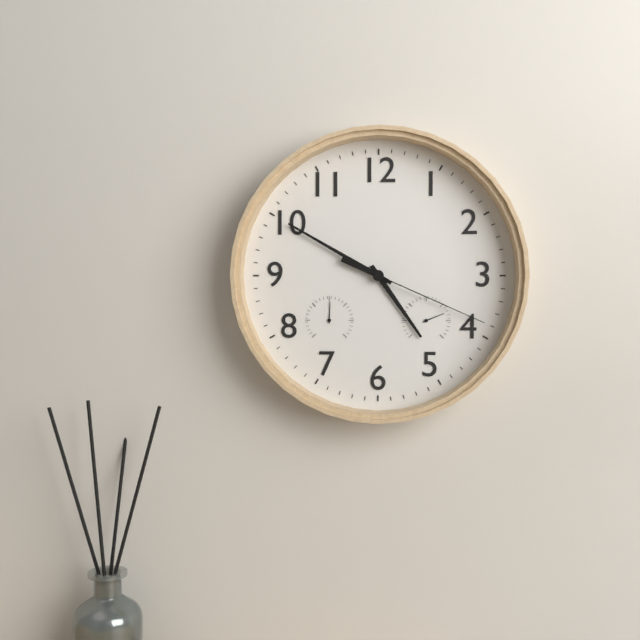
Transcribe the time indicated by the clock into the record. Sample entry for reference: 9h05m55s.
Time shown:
4h50m19s
